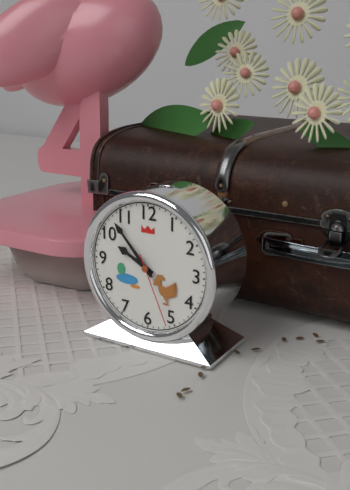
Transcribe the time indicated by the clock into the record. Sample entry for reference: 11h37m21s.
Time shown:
9h53m26s
